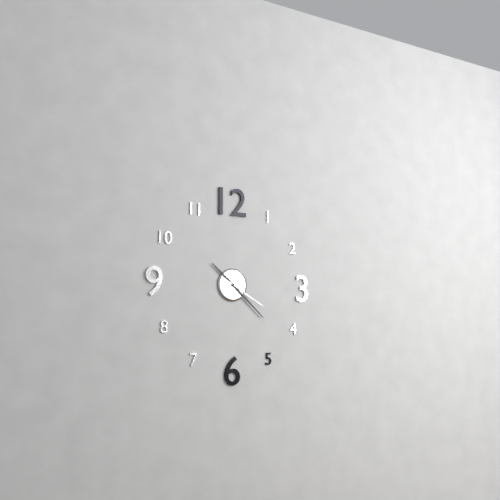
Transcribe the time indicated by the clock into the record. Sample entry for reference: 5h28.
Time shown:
10h22
